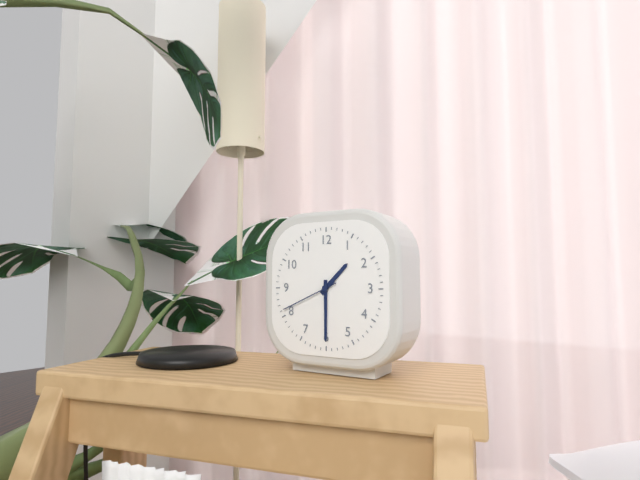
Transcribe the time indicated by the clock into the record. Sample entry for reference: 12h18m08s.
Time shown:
1h30m41s
